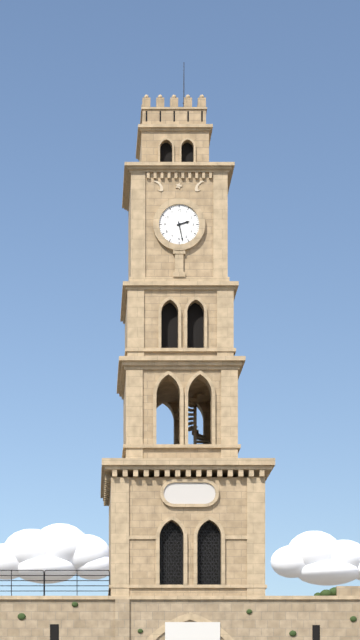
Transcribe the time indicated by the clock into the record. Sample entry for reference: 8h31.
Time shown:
2h28
